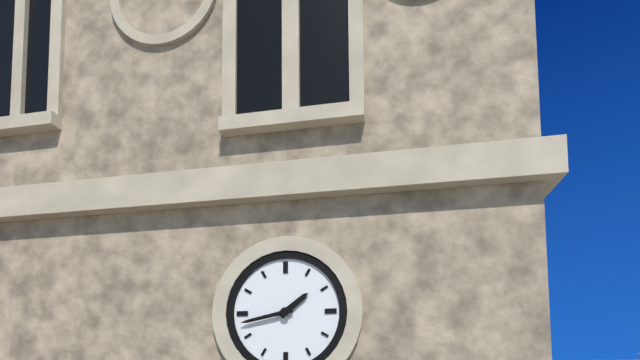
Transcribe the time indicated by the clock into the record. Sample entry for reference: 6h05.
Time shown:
1h43
